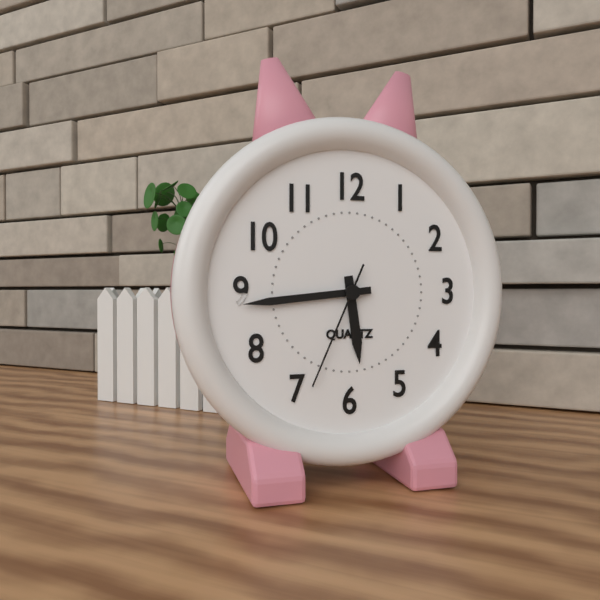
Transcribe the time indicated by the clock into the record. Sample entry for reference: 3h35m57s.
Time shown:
5h44m34s
